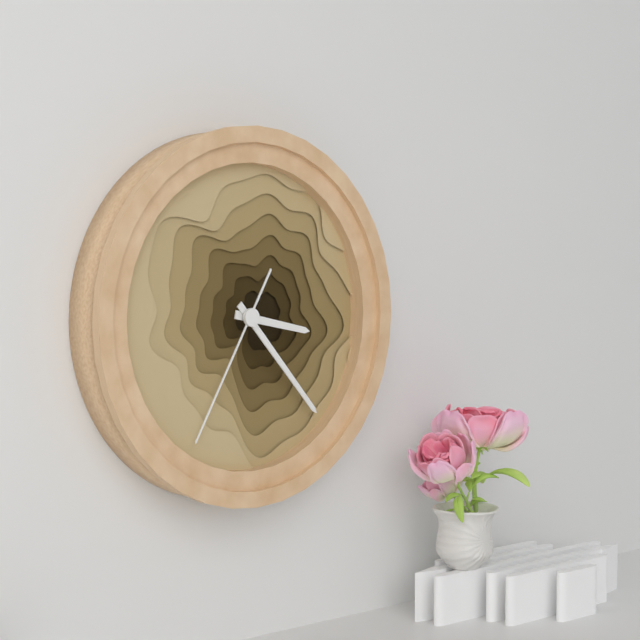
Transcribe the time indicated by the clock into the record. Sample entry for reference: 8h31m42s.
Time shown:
3h23m35s
